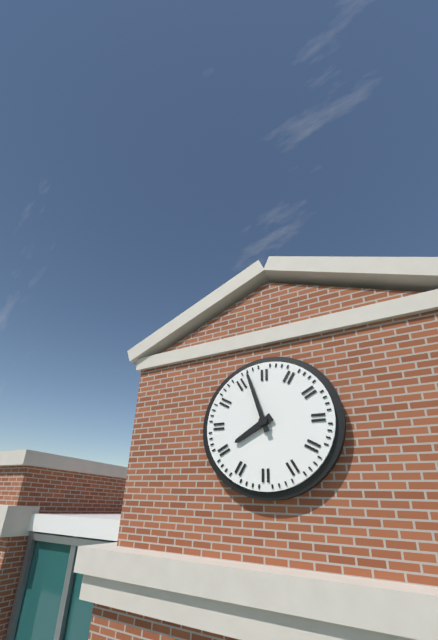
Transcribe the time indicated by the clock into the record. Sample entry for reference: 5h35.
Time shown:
7h57
